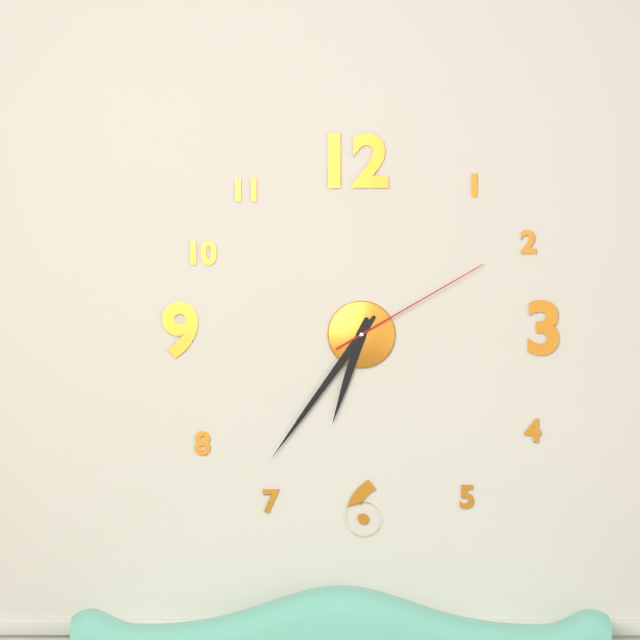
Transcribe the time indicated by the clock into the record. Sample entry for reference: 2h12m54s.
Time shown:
6h36m10s
